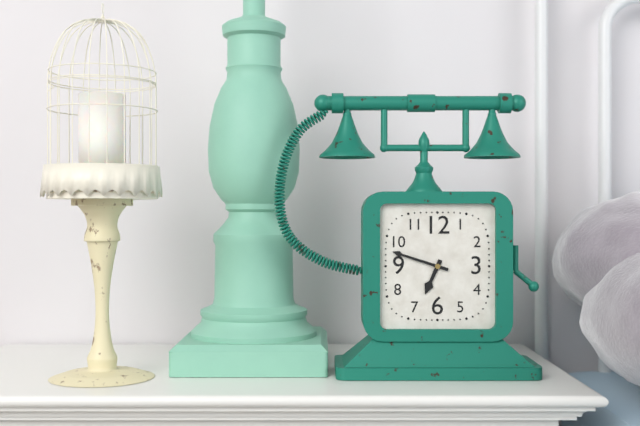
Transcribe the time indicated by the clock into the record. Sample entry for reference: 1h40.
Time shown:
6h48
